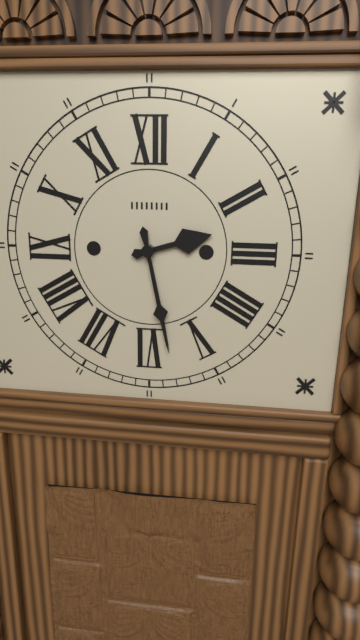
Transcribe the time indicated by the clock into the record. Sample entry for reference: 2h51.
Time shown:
2h28
